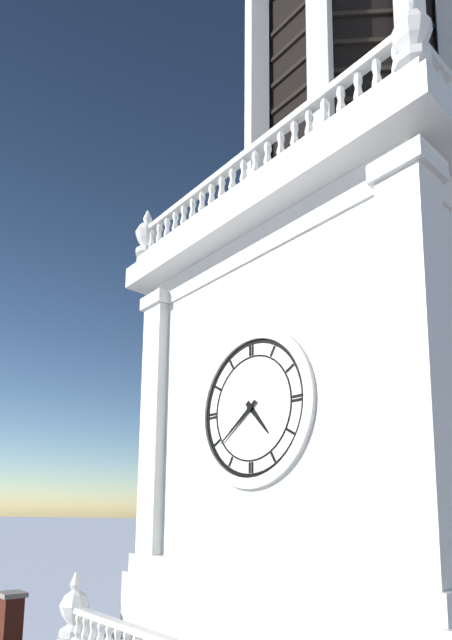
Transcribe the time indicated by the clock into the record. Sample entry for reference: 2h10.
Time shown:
4h39
